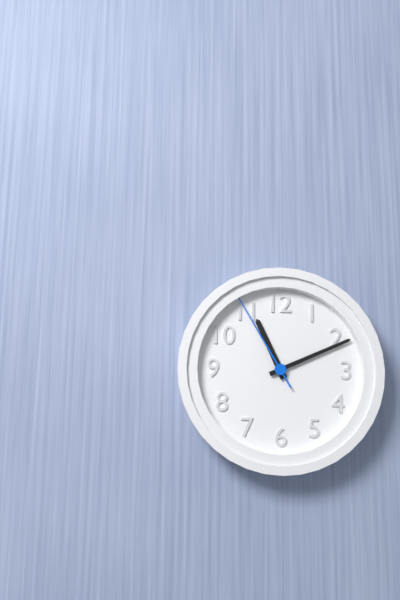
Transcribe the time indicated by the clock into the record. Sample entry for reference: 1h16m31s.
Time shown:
11h11m55s
